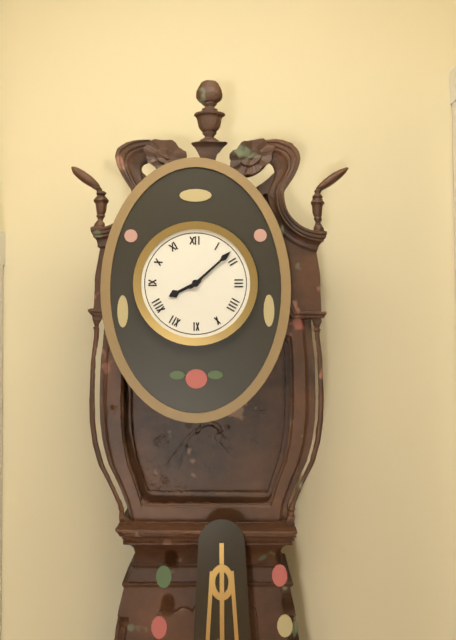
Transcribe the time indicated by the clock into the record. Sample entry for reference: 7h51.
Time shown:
8h08
